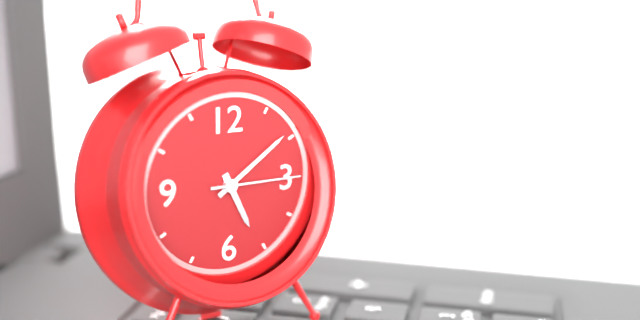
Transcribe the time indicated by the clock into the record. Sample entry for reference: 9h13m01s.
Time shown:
5h09m15s
